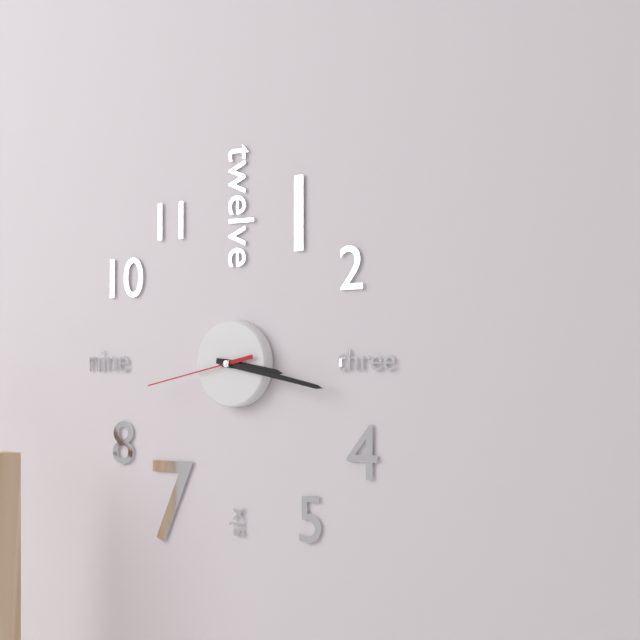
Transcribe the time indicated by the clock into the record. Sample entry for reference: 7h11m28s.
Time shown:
3h17m43s
